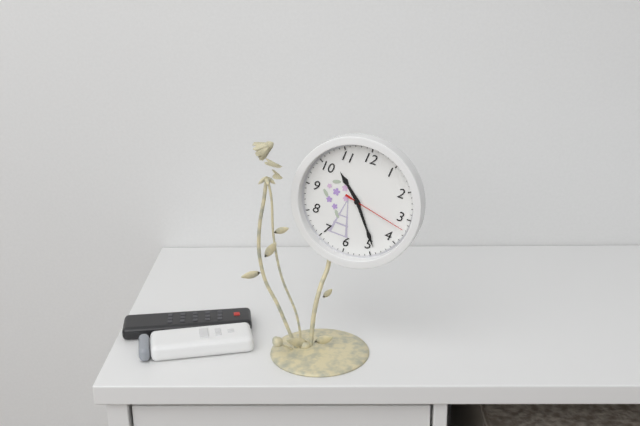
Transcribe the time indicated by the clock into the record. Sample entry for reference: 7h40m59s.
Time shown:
10h24m17s
